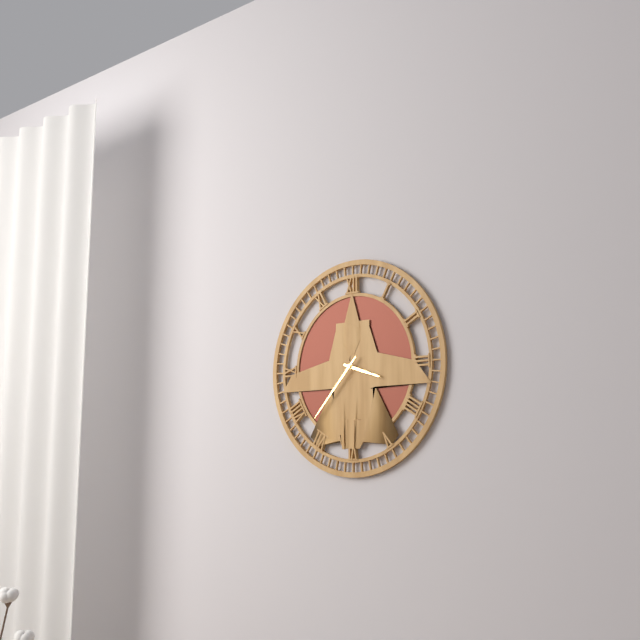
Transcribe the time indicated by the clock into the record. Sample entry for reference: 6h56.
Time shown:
3h37
